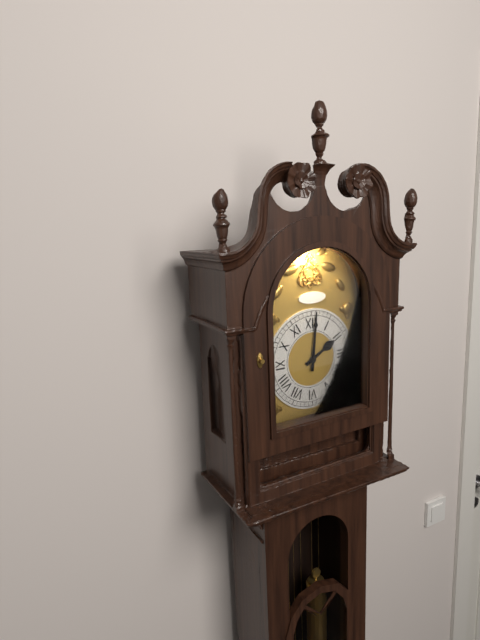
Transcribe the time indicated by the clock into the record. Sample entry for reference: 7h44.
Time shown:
2h01
